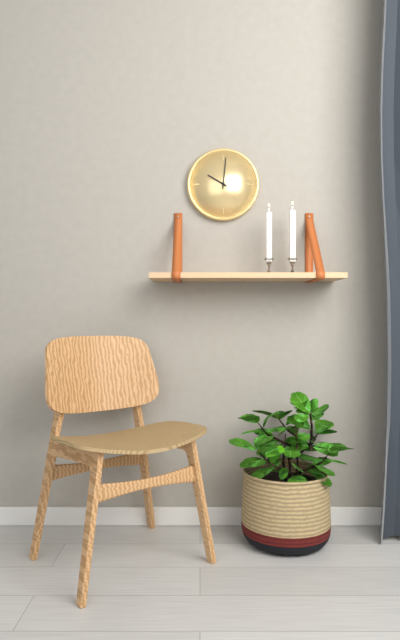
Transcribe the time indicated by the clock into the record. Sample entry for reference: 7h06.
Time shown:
10h01
